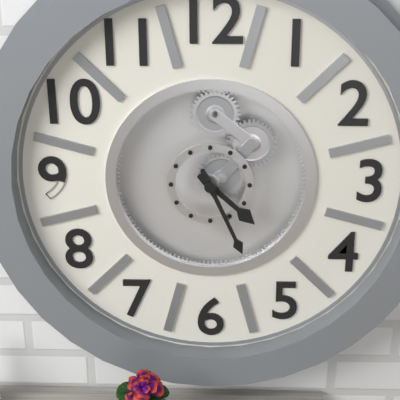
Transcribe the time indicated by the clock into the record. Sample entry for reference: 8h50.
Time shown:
4h26
